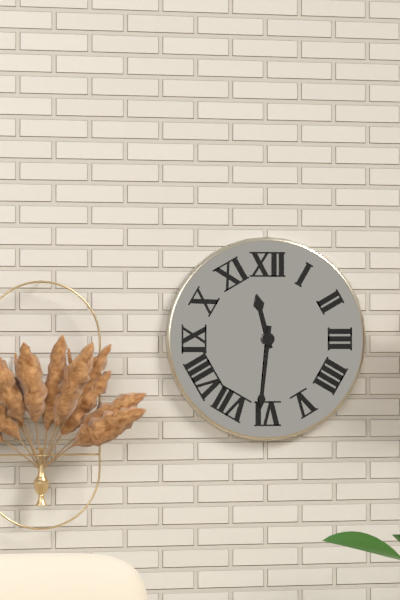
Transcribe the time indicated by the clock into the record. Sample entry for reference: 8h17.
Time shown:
11h31
